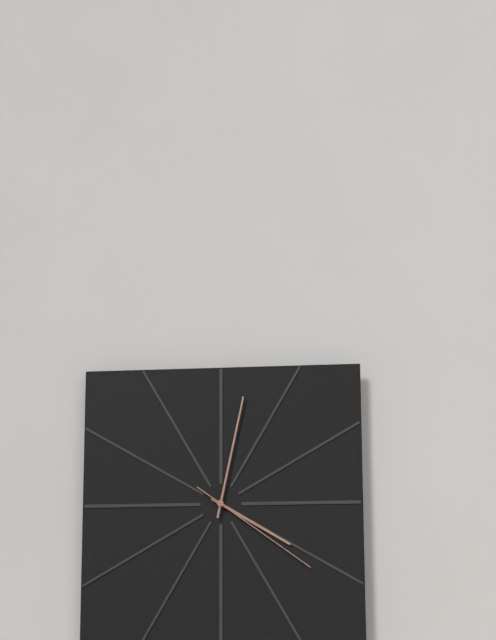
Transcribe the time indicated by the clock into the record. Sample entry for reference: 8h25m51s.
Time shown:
4h02m21s
